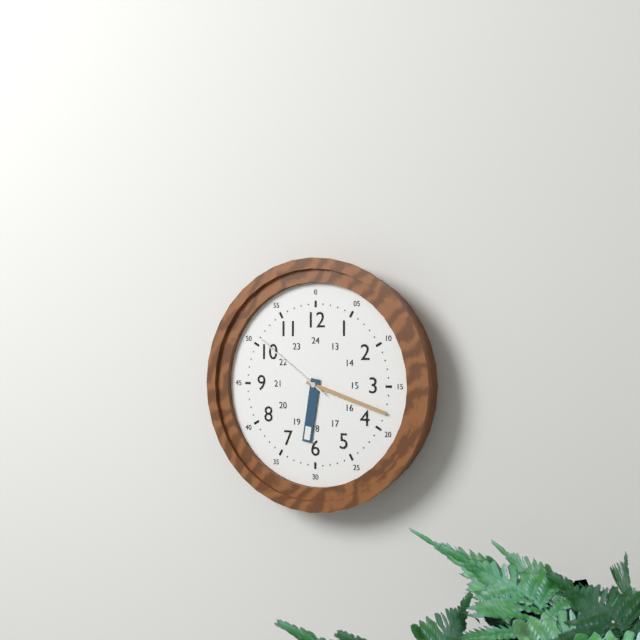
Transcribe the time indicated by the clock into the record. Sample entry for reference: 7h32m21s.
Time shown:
6h18m51s
